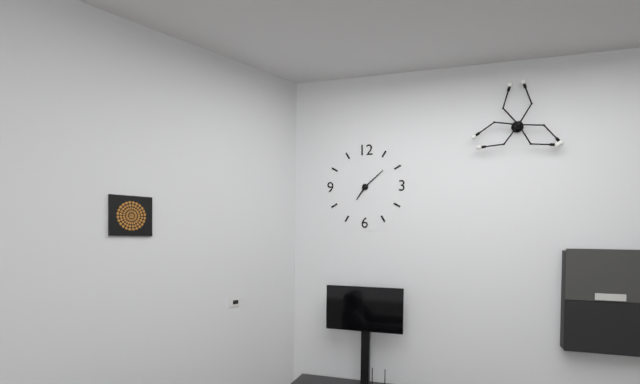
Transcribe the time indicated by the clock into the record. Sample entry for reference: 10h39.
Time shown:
7h08
